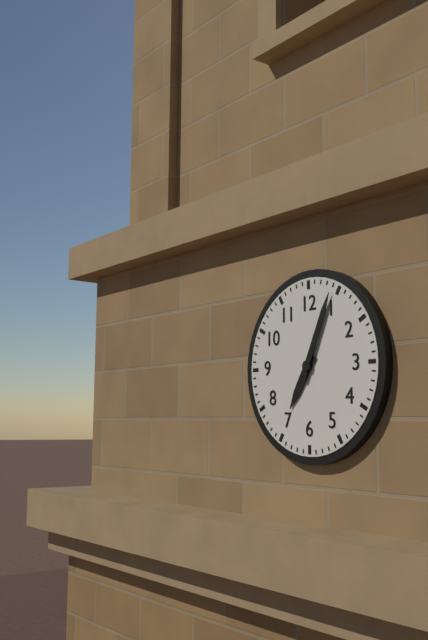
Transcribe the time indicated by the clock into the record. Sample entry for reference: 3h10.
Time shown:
7h04
